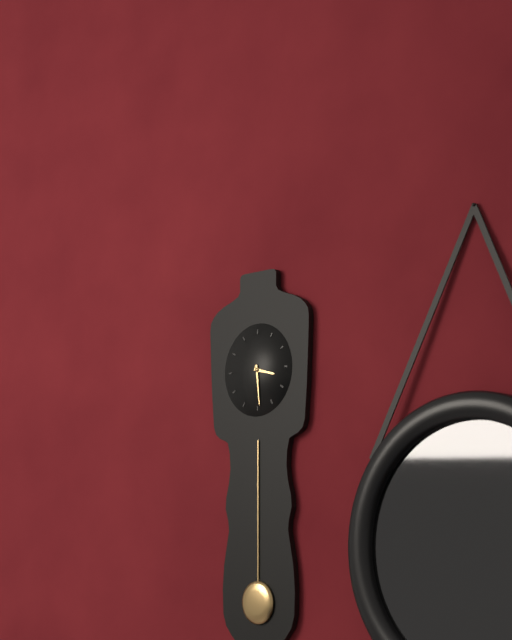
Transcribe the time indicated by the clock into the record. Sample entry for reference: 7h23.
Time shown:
3h29
